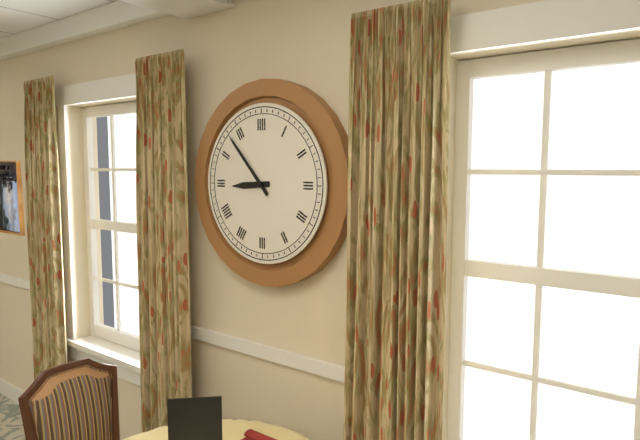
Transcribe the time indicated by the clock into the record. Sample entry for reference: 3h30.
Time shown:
8h53
